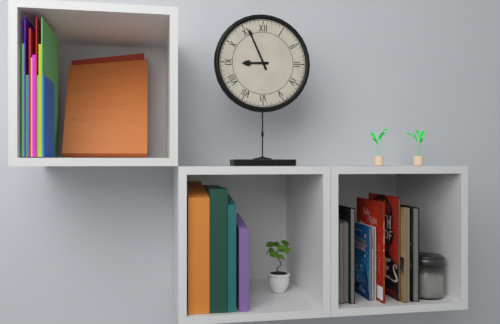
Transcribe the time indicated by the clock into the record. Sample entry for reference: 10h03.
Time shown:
8h56
